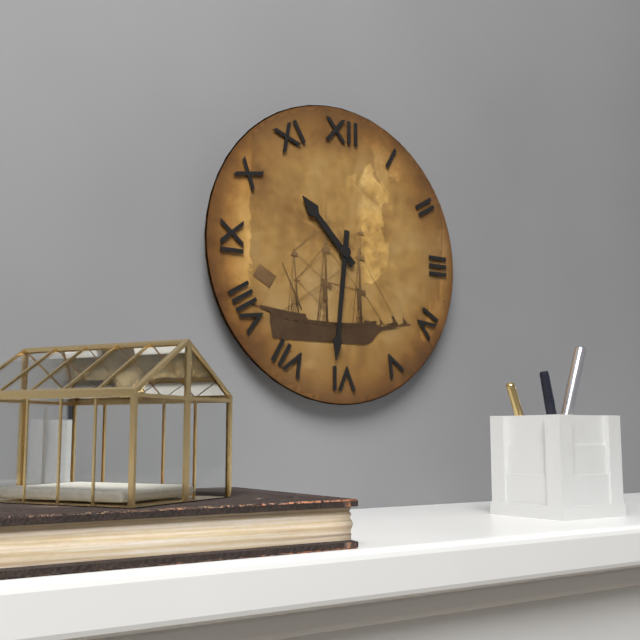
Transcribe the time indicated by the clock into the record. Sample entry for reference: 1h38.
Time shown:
10h31
